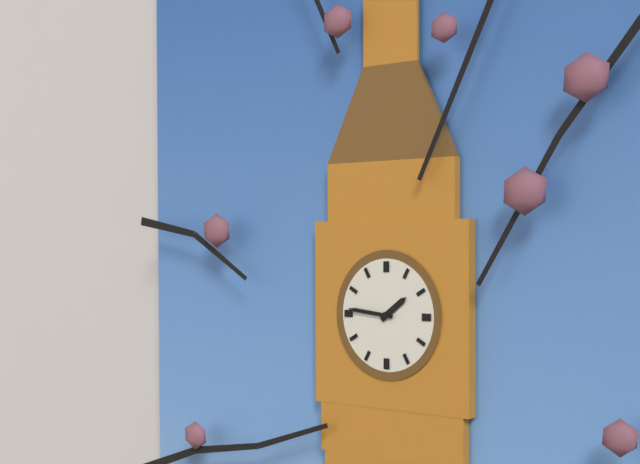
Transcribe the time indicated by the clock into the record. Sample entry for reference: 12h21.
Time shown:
1h46
